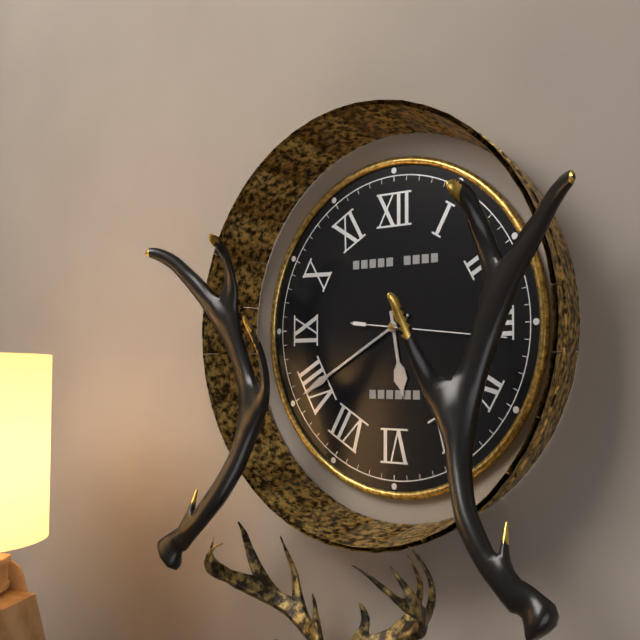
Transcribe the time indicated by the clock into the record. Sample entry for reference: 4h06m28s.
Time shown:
5h40m16s
